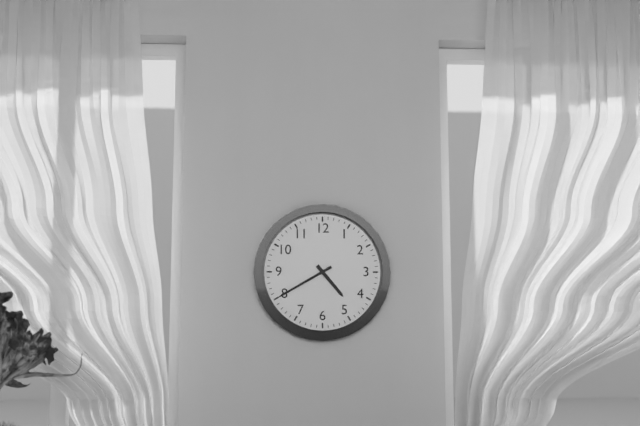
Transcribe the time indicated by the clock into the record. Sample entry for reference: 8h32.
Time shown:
4h40
